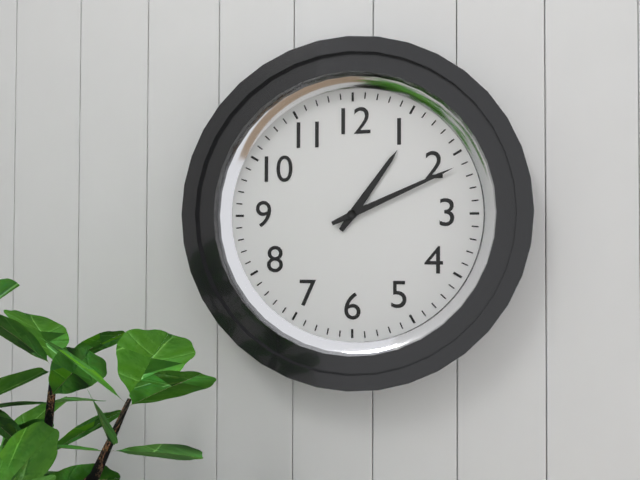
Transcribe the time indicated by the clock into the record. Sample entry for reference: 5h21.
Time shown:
1h11
